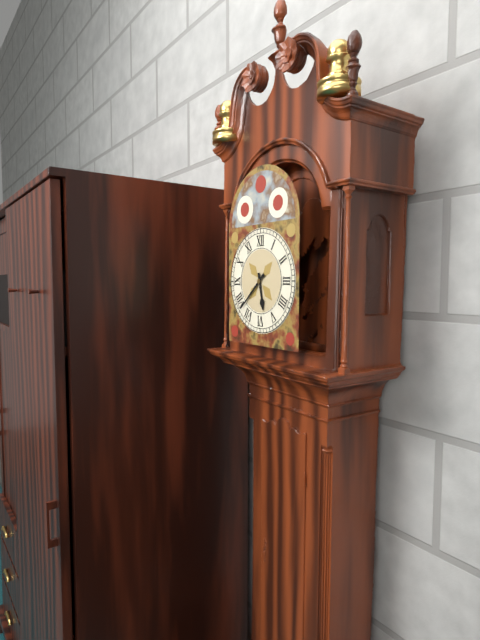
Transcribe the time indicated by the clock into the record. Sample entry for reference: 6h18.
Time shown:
5h38
